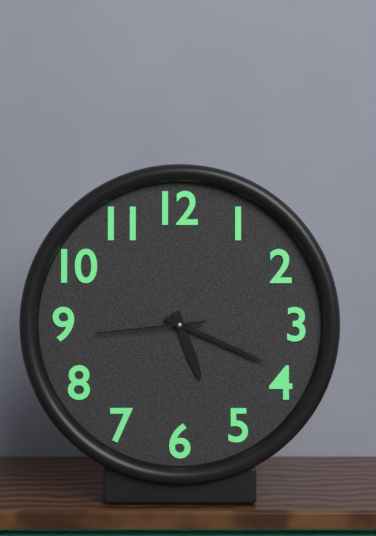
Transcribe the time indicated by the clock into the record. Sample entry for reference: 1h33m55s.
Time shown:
5h19m44s
